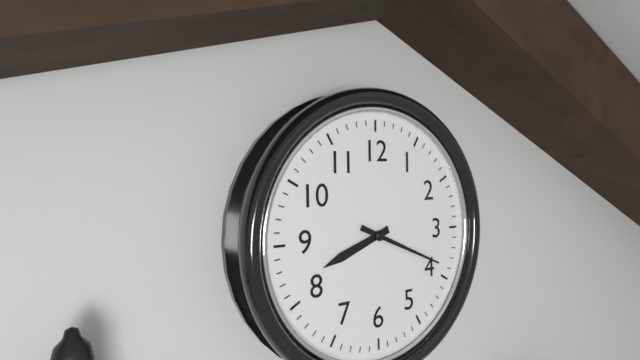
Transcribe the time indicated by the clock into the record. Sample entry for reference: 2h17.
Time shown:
8h19
